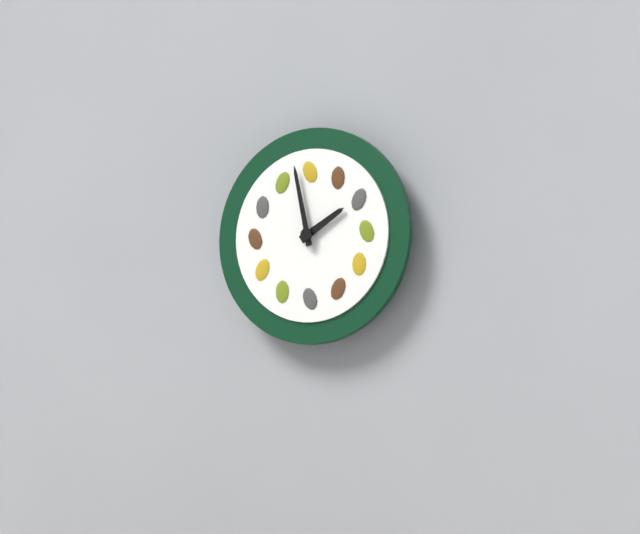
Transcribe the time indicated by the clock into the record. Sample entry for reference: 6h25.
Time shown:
1h58
